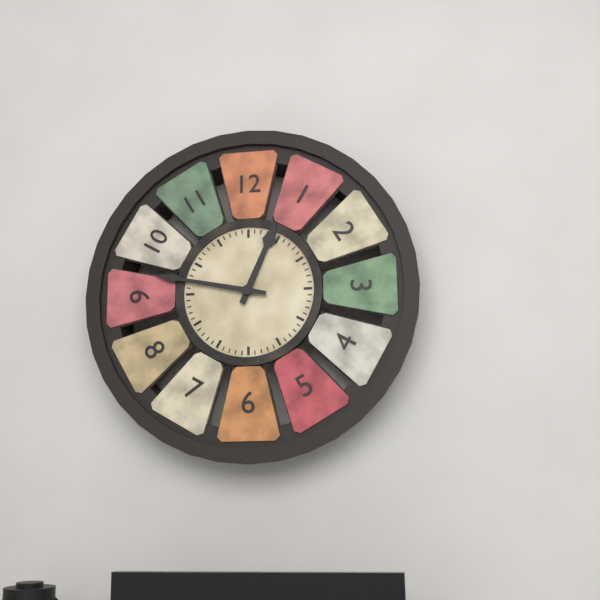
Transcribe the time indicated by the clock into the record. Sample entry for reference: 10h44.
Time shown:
12h47
